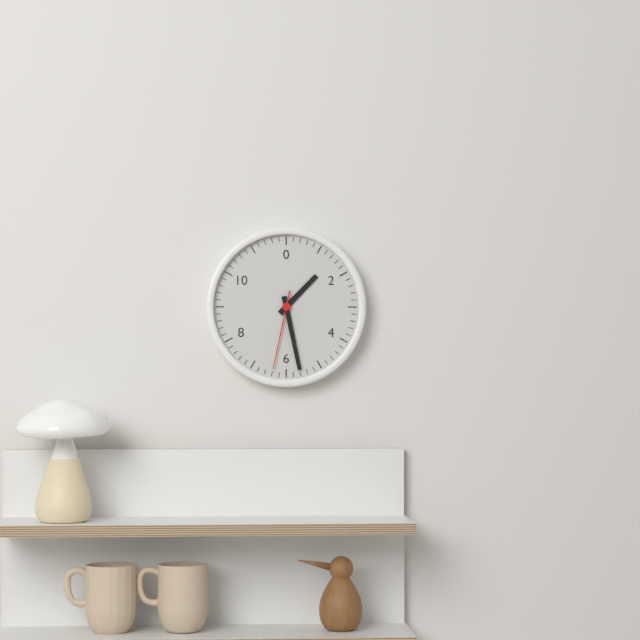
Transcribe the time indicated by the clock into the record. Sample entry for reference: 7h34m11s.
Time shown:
1h28m32s
